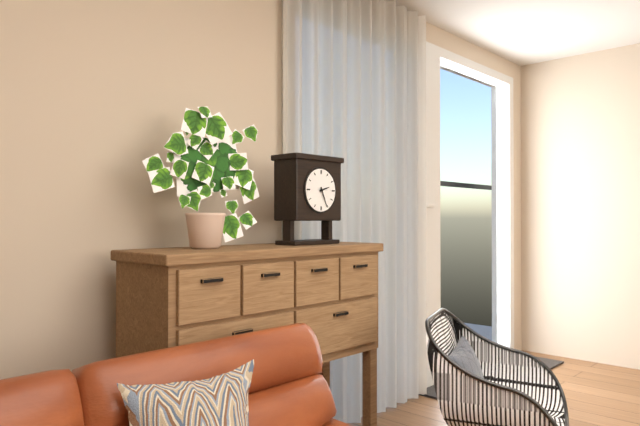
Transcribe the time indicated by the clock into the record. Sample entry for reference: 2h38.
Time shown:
2h26
